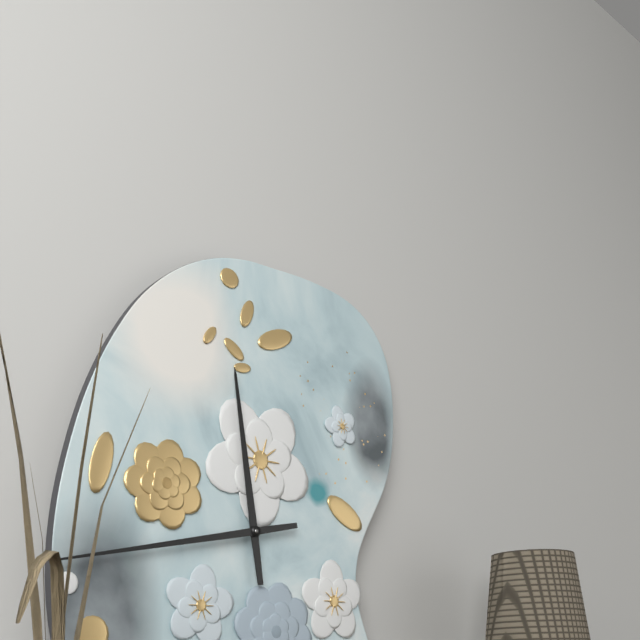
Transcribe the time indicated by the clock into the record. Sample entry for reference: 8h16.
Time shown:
11h43
